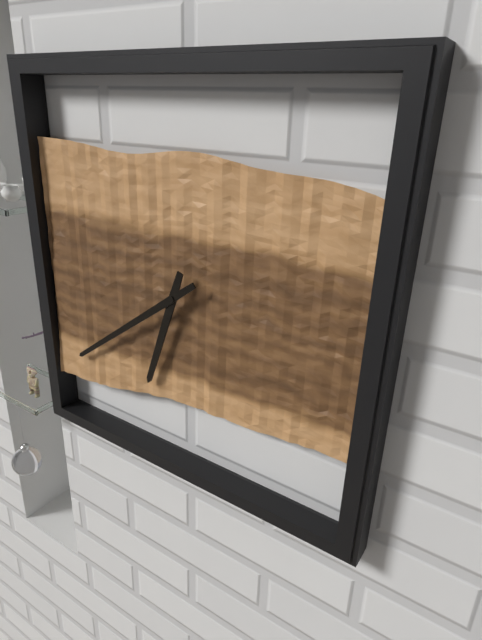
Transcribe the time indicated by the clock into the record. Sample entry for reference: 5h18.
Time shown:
6h39
